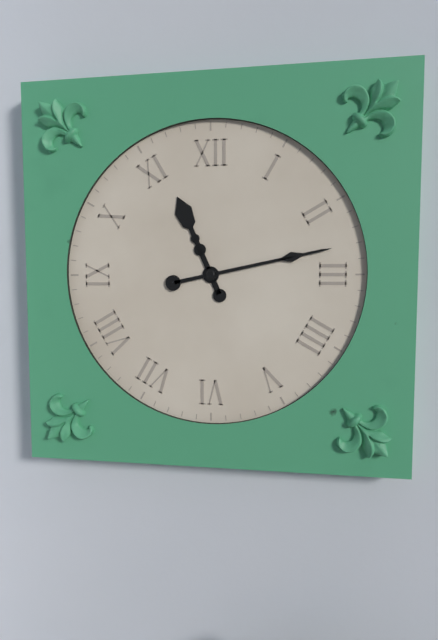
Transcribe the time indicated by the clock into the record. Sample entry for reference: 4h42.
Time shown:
11h13
